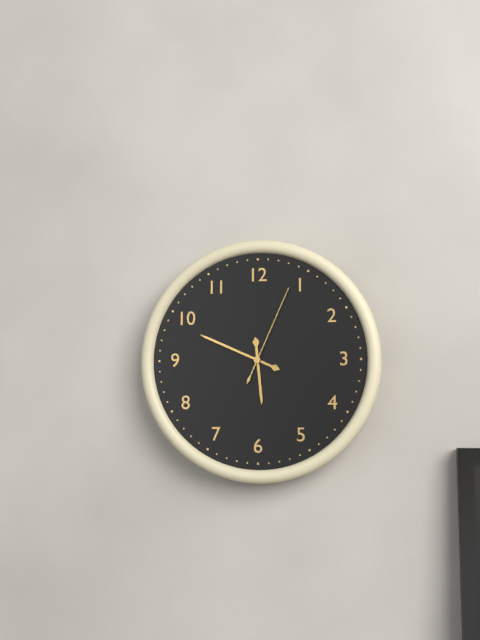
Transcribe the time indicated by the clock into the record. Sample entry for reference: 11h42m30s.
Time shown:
5h49m04s
